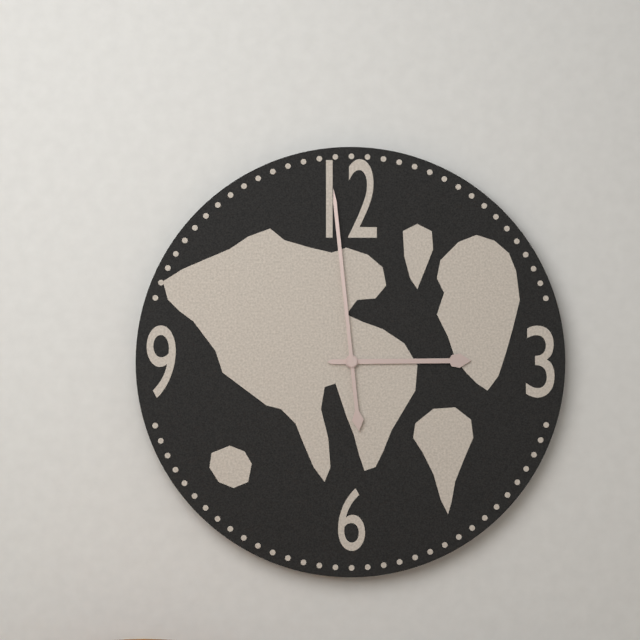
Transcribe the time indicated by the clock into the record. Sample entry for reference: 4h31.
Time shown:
2h59
